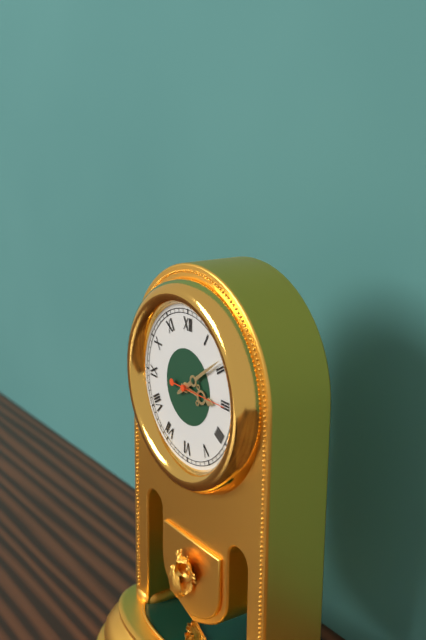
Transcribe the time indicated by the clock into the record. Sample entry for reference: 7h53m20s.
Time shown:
3h09m15s
